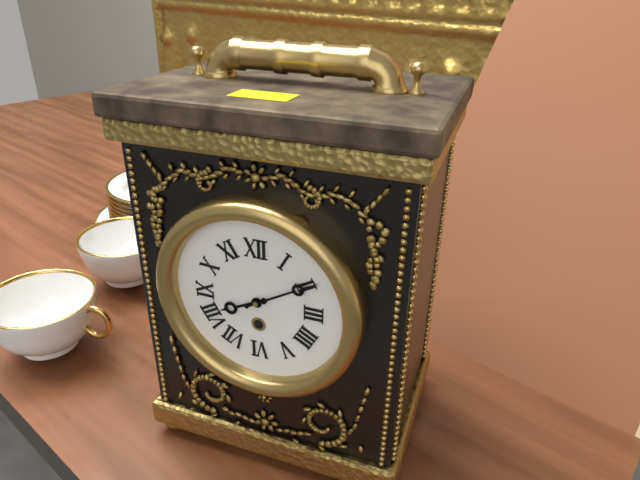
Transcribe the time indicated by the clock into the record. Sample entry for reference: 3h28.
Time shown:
8h10
